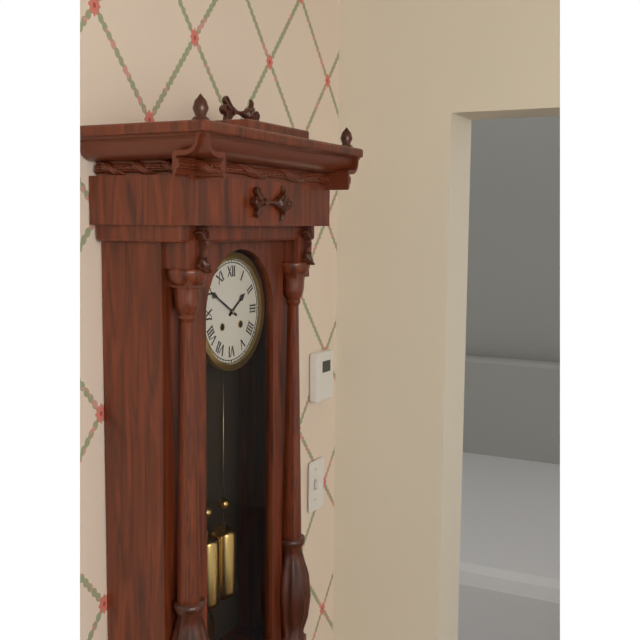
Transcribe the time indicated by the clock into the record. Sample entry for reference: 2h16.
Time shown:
1h50
